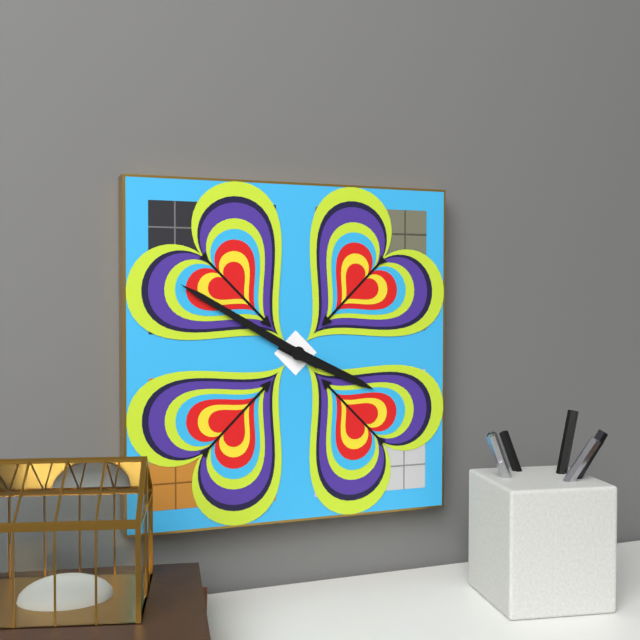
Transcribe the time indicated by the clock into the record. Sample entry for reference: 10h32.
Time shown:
3h50
